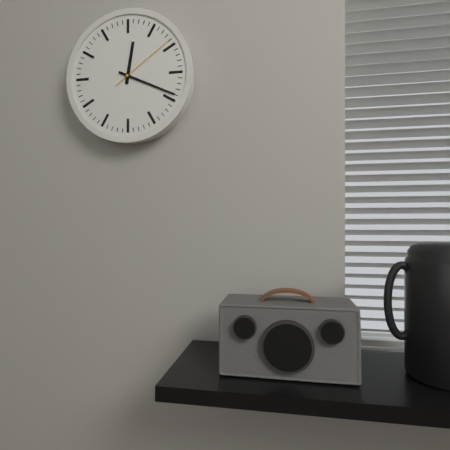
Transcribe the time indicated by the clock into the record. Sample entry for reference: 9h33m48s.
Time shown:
12h19m09s
